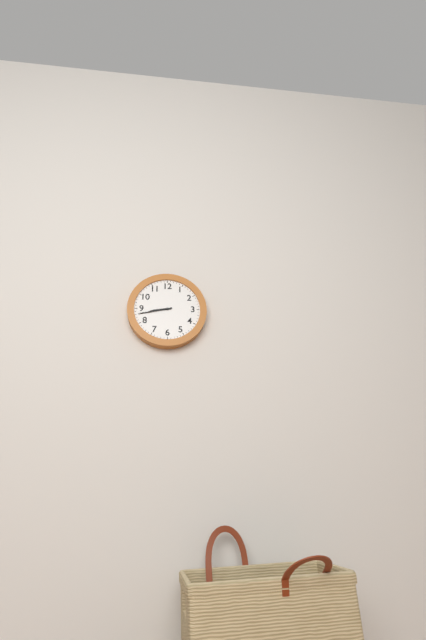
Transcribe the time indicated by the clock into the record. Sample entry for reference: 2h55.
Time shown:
8h43
